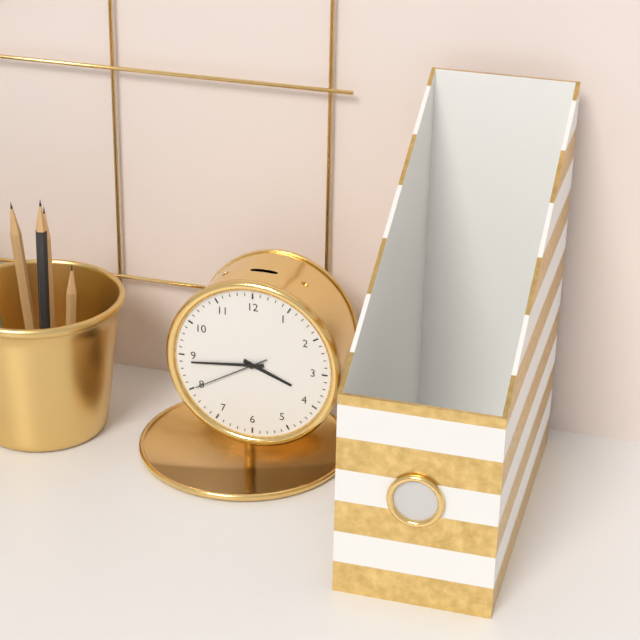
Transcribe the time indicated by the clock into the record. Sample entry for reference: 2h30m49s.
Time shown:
3h44m40s
